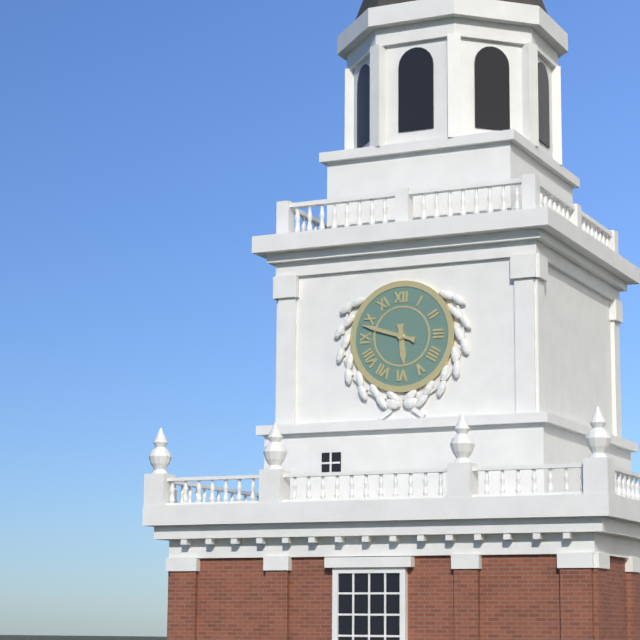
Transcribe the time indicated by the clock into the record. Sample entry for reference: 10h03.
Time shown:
5h48
